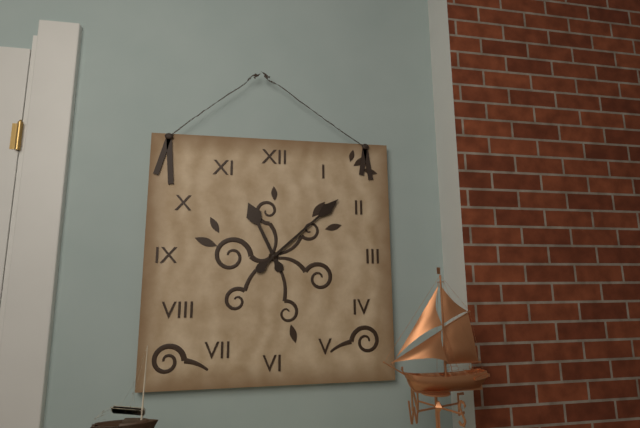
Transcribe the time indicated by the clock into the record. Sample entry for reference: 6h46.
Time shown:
11h08
